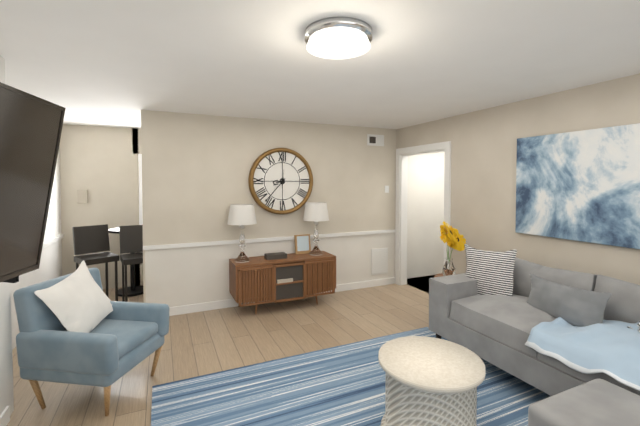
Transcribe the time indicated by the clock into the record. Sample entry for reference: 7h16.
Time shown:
8h37
